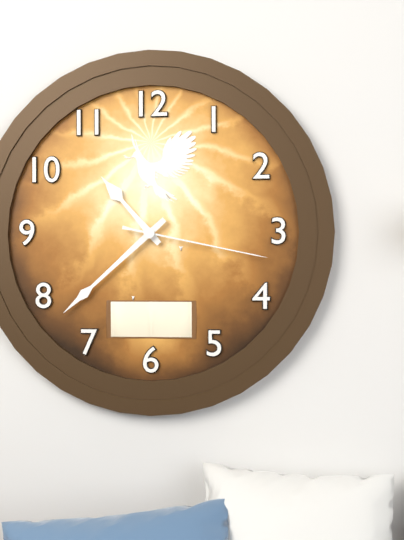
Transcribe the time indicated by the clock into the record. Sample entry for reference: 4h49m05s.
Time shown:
10h38m17s
